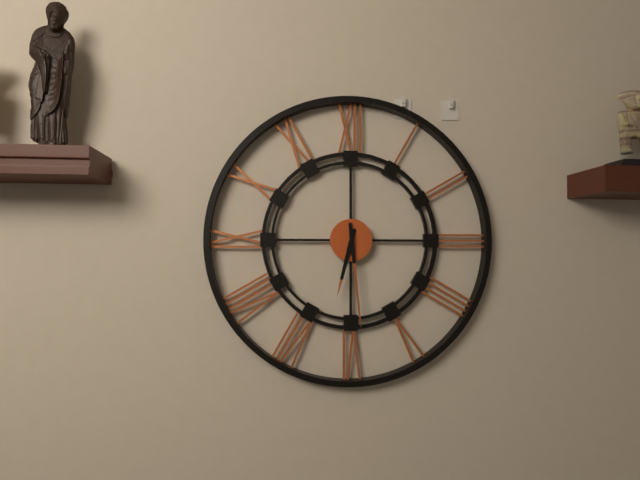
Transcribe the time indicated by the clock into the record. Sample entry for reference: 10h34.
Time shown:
6h29
